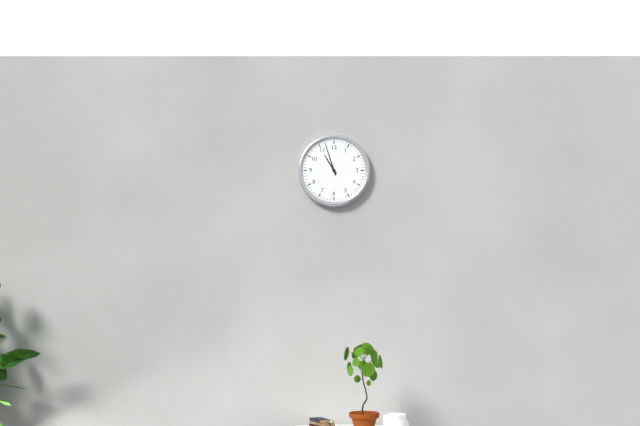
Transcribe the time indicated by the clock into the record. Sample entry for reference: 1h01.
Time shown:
10h57
